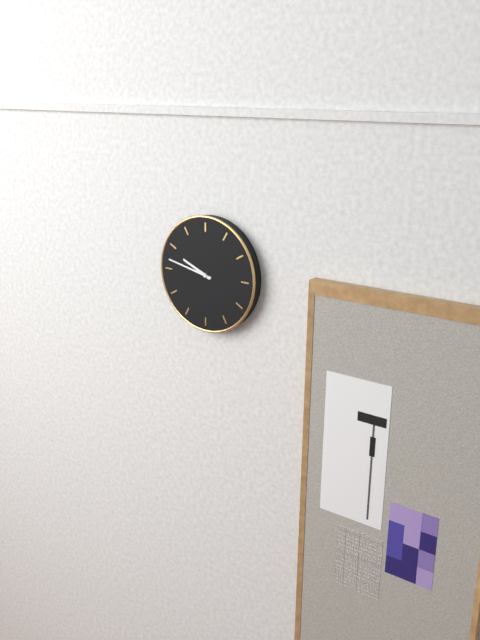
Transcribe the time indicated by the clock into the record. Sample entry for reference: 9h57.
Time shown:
9h47
